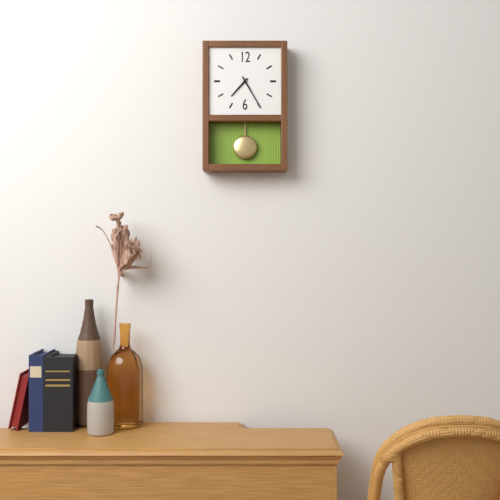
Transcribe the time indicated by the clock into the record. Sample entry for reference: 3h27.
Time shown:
7h25
